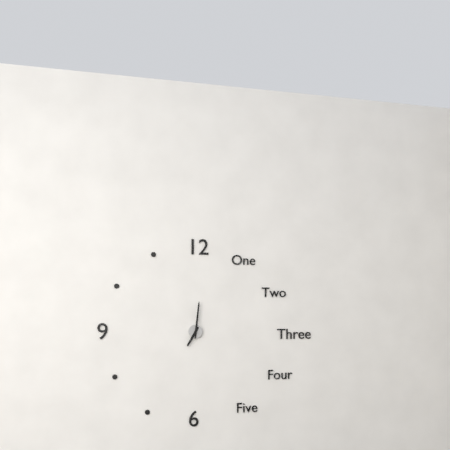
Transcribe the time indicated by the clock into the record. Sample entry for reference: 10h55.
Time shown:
7h01
